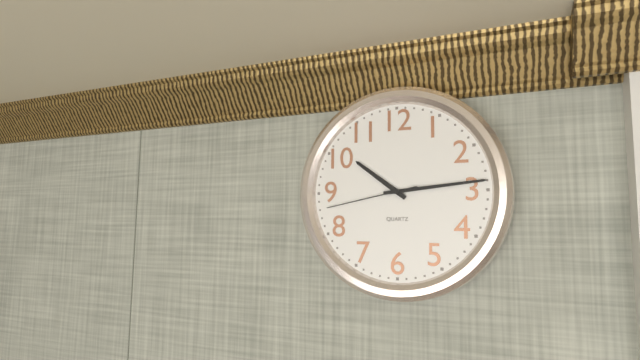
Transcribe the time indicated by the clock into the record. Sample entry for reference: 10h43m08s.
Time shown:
10h14m43s
